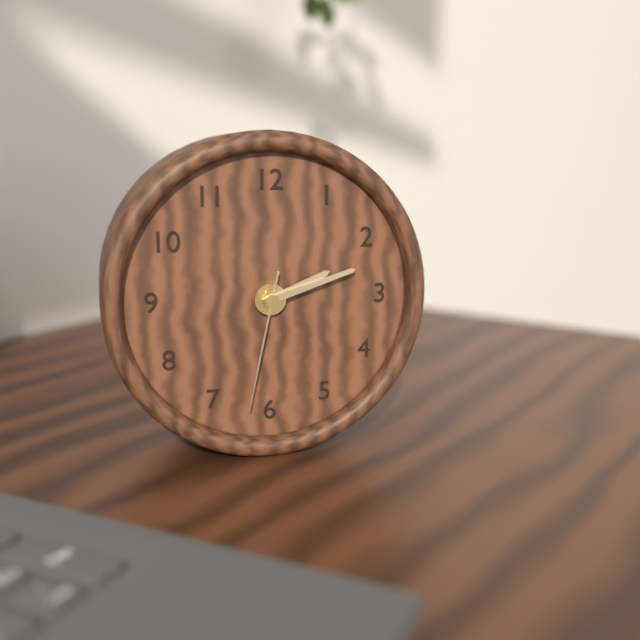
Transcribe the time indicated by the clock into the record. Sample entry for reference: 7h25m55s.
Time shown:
2h12m32s
